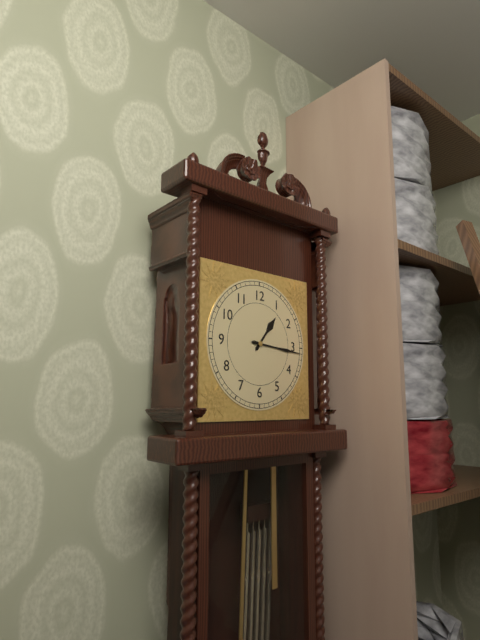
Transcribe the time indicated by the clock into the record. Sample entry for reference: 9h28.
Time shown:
1h16
